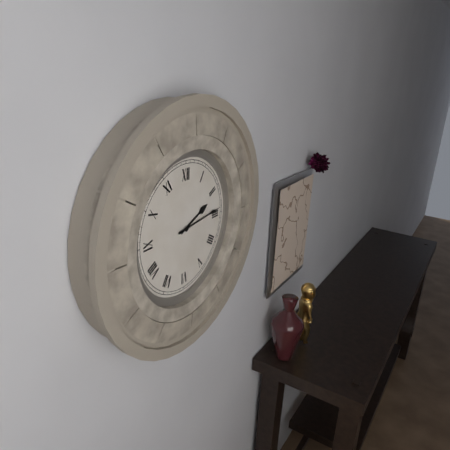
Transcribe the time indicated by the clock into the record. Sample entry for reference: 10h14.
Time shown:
2h14
